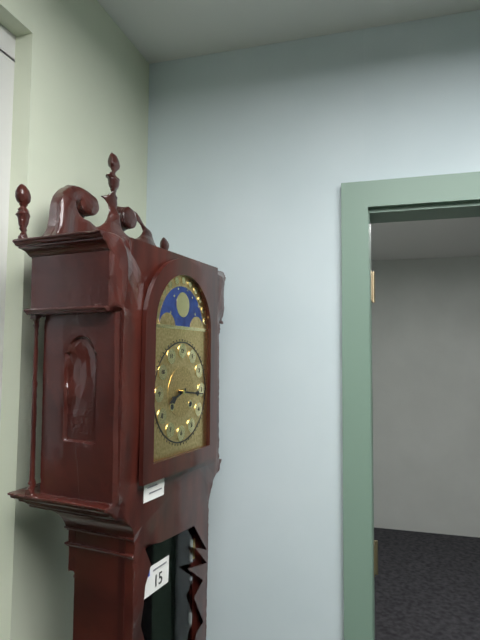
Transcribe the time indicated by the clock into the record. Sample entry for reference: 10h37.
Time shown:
8h16
